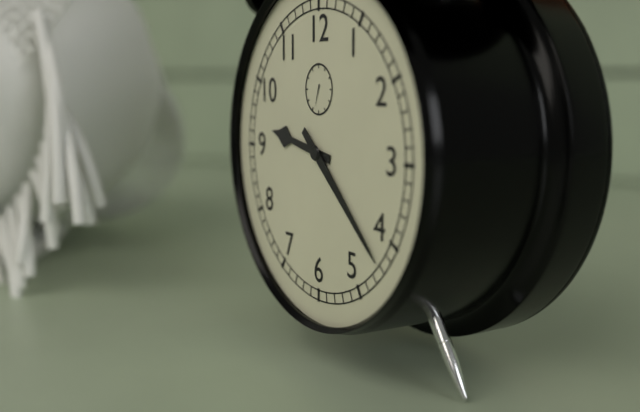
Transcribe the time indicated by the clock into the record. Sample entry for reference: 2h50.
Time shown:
9h22
